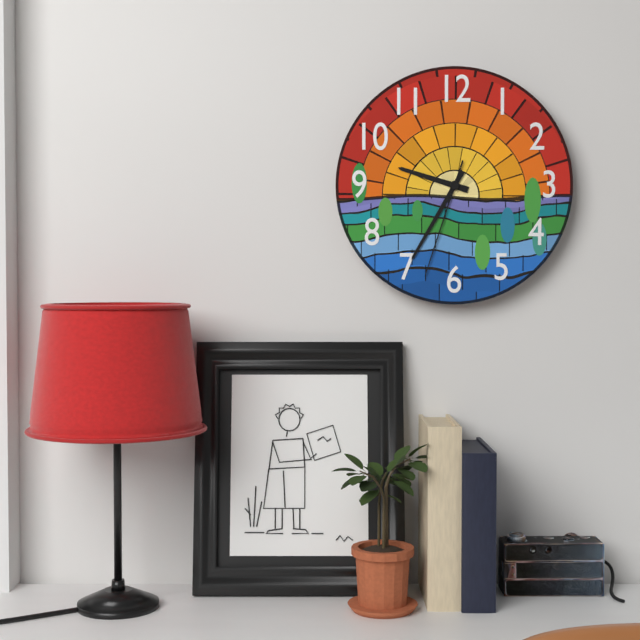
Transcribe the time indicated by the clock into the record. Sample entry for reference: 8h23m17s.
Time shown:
9h35m33s
